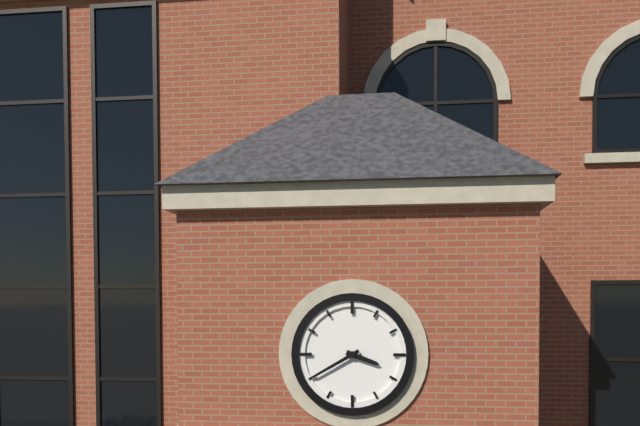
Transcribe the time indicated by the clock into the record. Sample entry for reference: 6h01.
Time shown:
3h40
